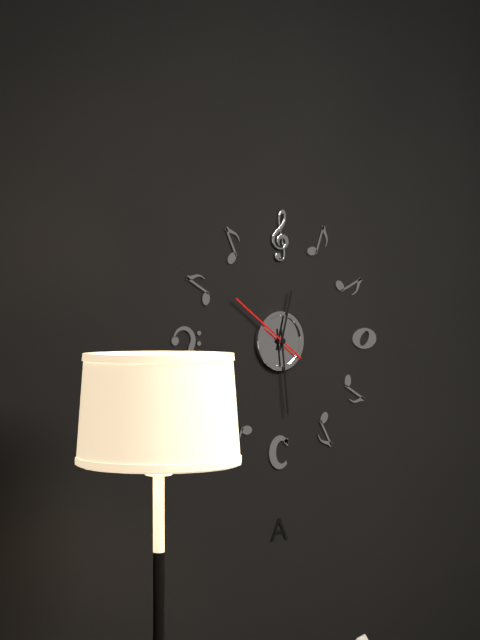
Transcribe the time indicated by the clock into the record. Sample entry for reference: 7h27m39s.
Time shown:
12h29m51s
